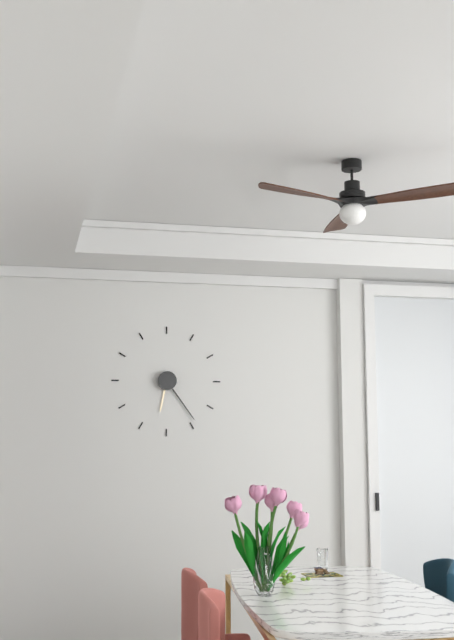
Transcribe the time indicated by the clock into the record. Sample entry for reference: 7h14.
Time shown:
6h24
